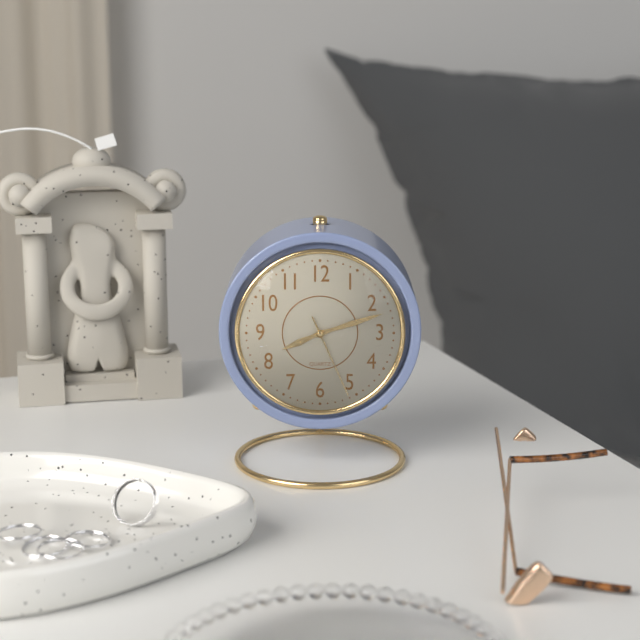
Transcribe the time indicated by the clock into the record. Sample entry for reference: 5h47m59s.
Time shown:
8h12m26s
